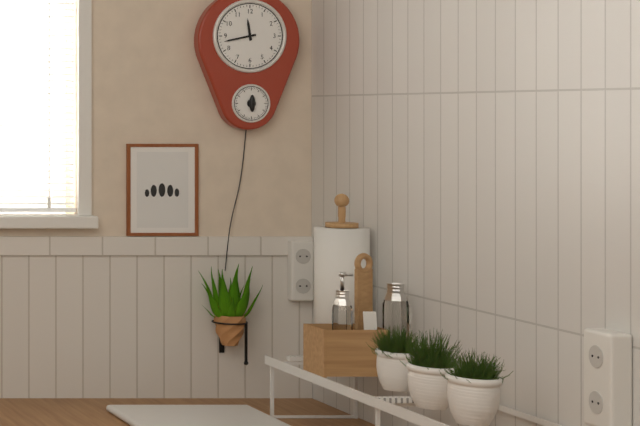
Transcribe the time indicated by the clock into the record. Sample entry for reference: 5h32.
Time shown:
11h43
